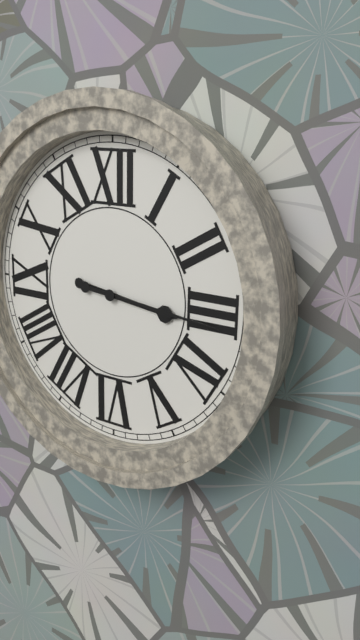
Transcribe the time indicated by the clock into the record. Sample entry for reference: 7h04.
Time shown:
3h16
